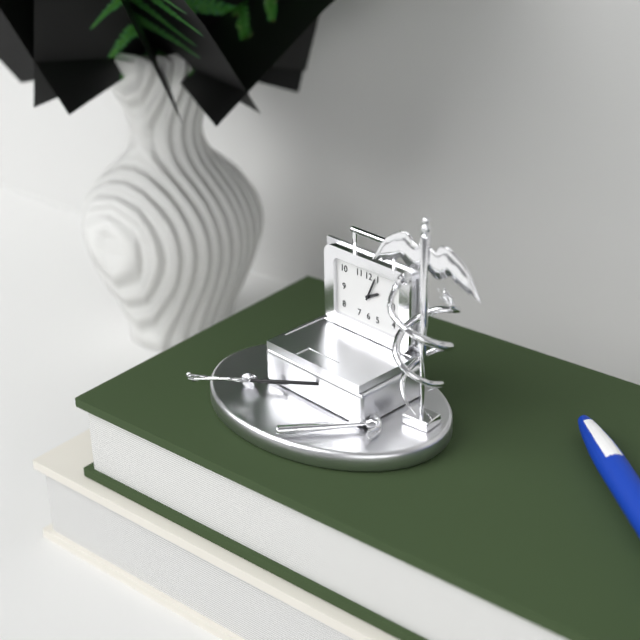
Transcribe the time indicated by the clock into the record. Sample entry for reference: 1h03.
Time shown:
2h04
